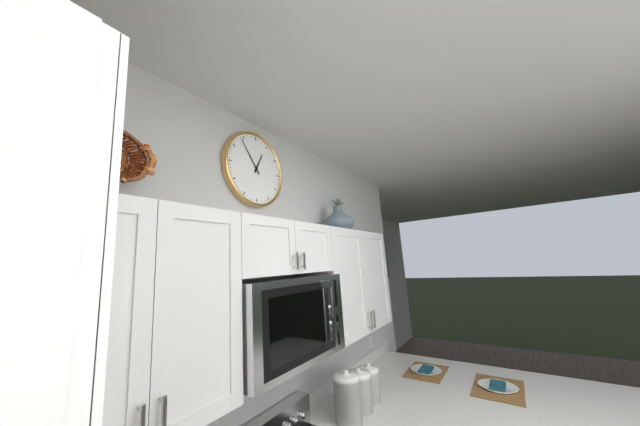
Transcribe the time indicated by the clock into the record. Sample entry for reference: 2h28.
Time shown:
12h54
